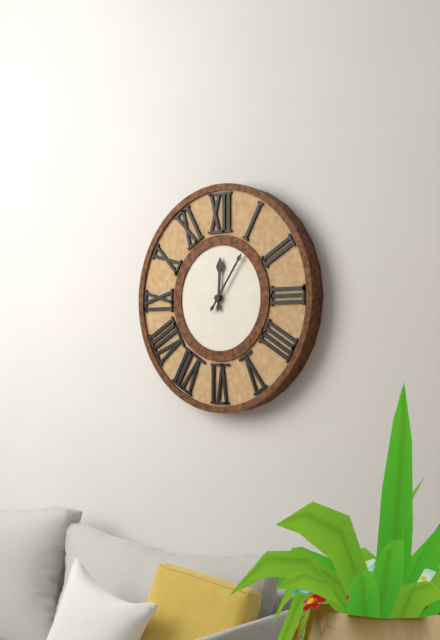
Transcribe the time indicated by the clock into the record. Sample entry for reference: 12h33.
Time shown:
12h06
